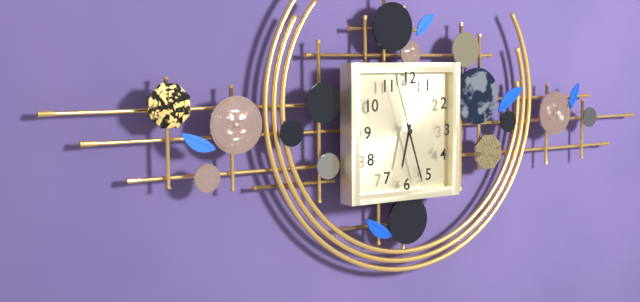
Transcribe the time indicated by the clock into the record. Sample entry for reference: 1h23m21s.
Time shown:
6h27m57s
